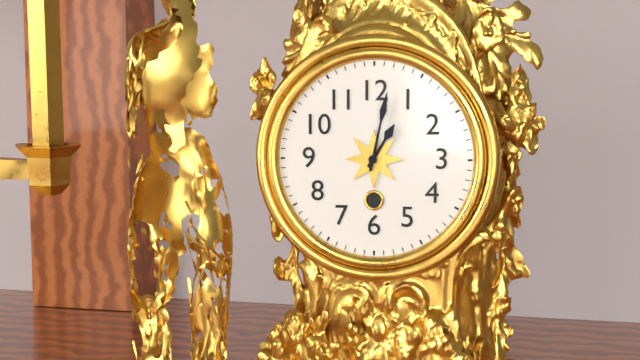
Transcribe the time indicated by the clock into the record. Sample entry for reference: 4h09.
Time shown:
1h02
